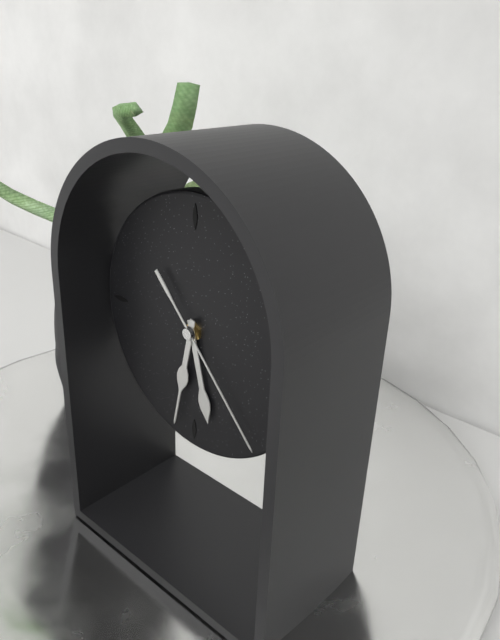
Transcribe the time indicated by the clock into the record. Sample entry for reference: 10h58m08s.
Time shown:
5h32m23s
